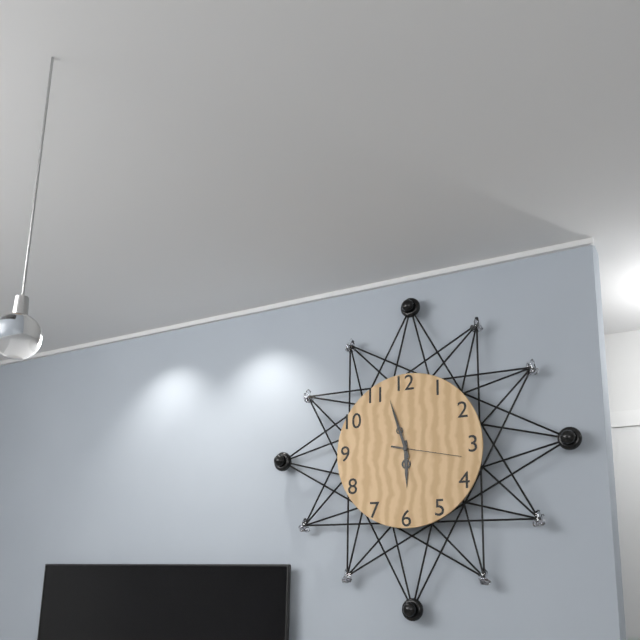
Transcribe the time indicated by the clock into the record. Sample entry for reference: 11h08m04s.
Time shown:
5h57m17s
